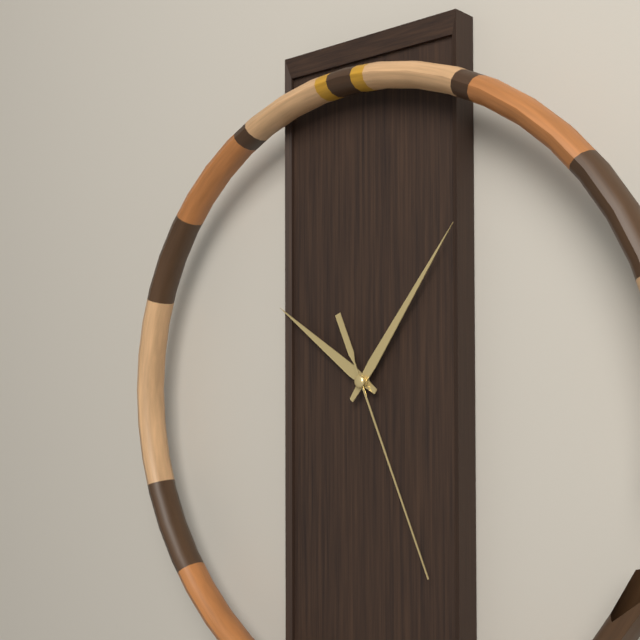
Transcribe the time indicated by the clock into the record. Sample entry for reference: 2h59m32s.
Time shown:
10h06m26s
